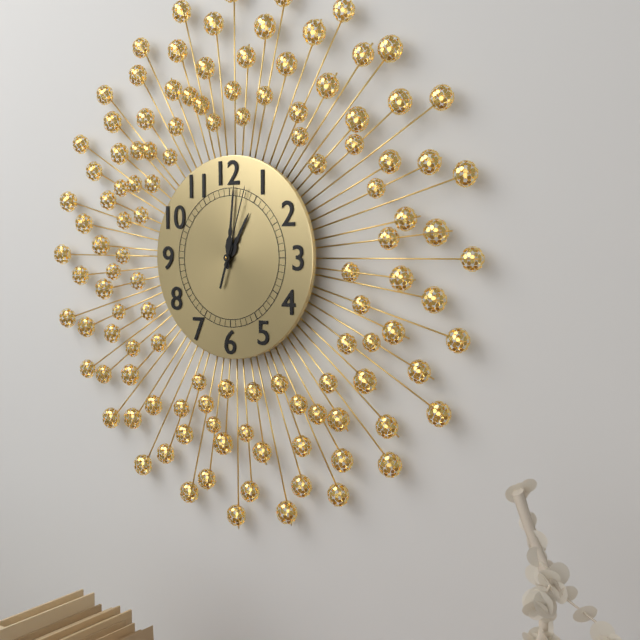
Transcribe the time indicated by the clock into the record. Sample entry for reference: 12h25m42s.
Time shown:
1h01m03s
